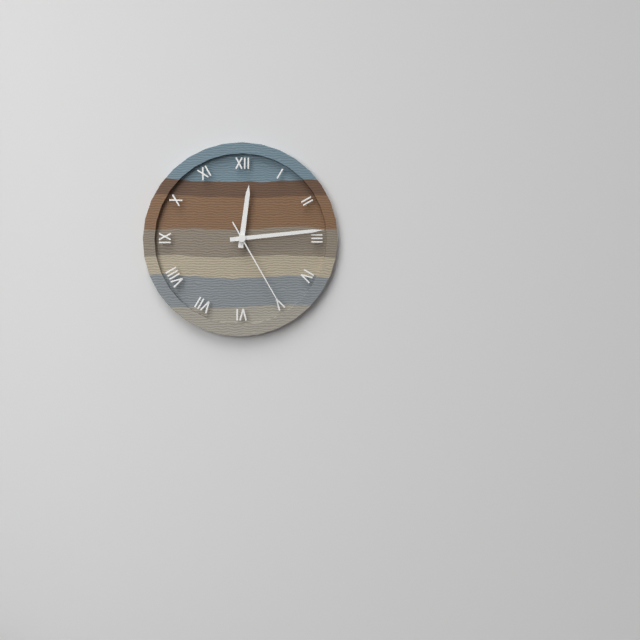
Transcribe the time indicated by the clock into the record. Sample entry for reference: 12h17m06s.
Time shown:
12h14m25s
